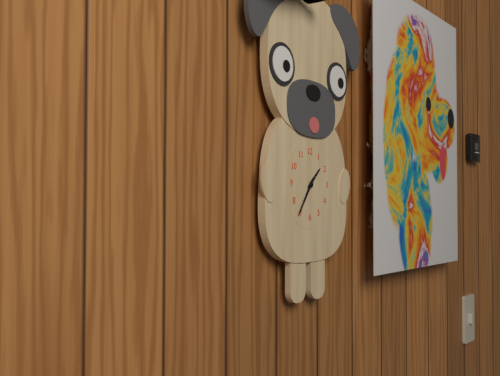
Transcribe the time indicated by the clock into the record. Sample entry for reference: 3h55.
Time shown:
1h36
